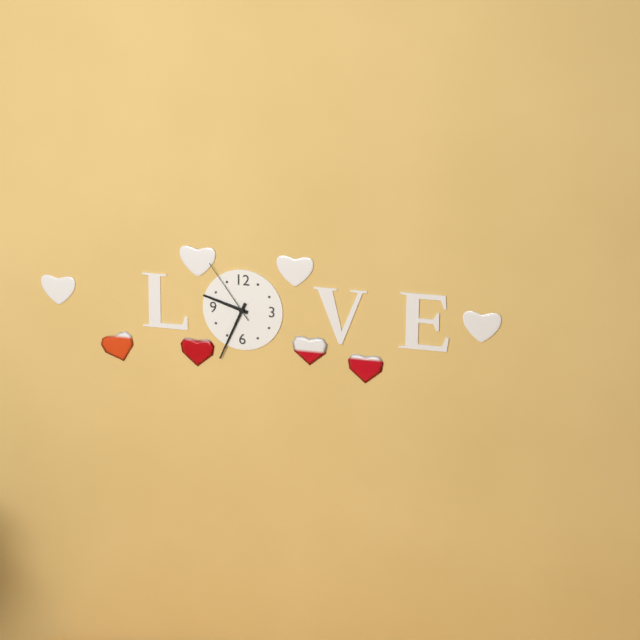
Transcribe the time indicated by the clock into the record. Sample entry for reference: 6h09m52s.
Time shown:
9h34m54s
